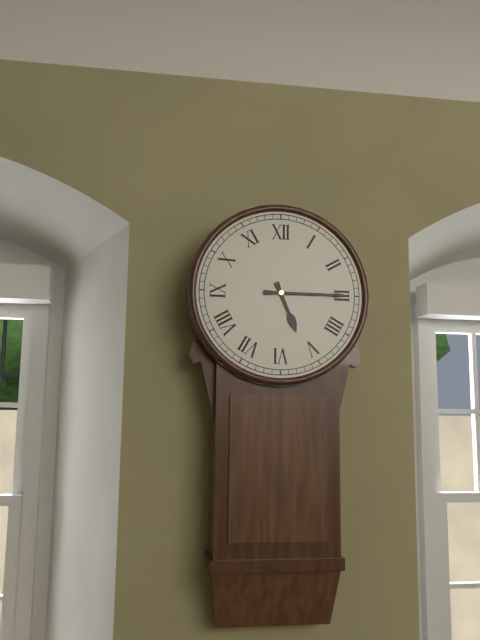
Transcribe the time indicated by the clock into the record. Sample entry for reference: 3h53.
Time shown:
5h15
